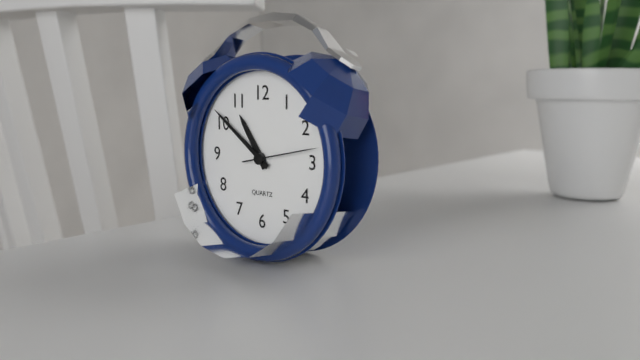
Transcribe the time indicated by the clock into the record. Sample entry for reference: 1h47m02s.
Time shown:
10h51m13s
